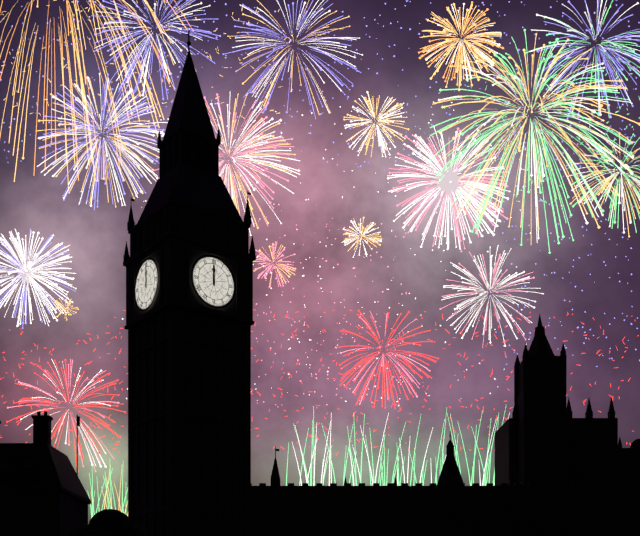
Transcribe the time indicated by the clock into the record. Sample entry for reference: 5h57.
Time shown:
12h00
